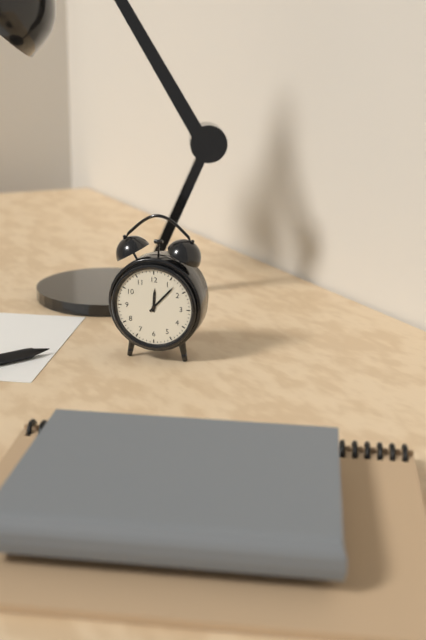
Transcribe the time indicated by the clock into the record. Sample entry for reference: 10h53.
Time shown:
12h07
